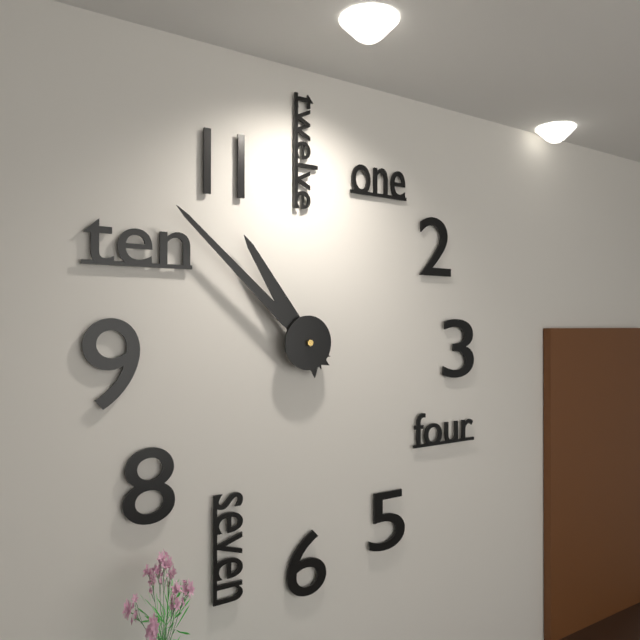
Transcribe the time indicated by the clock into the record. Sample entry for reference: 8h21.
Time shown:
10h52
